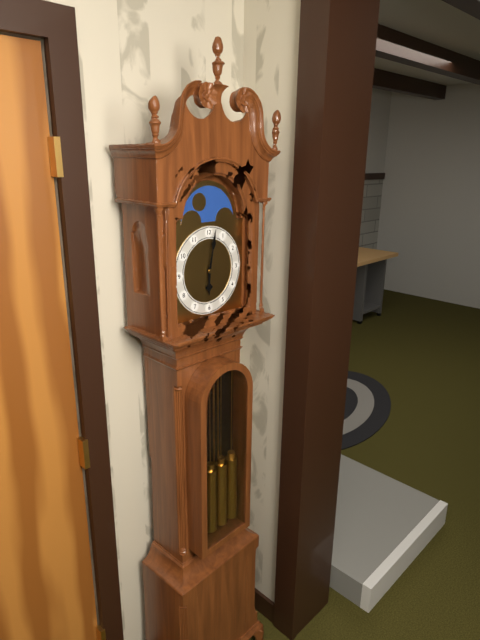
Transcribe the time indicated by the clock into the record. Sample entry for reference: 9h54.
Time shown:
6h02
